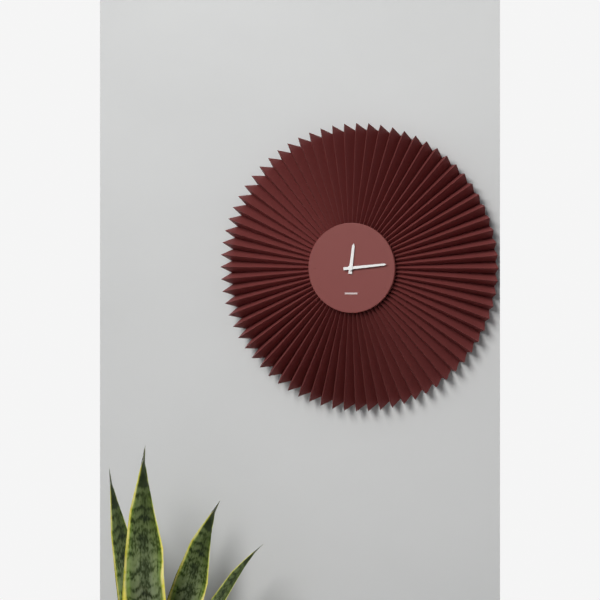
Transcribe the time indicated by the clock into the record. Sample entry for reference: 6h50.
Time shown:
12h14
